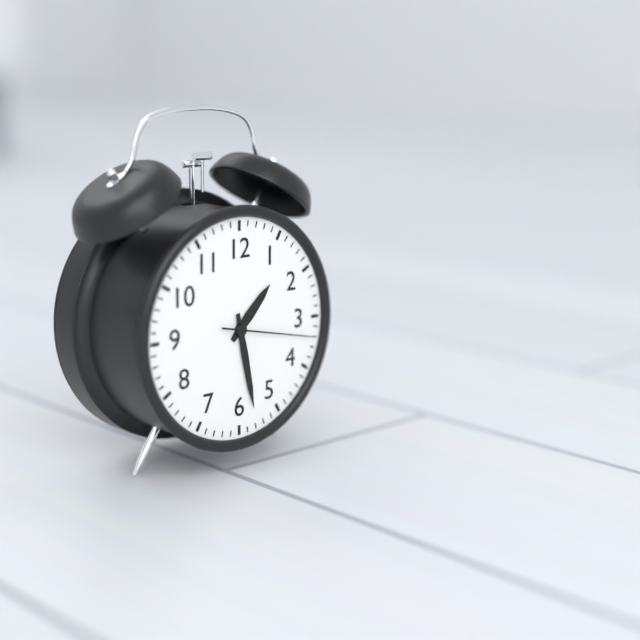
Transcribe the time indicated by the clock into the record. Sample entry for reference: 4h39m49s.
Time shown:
1h28m17s
